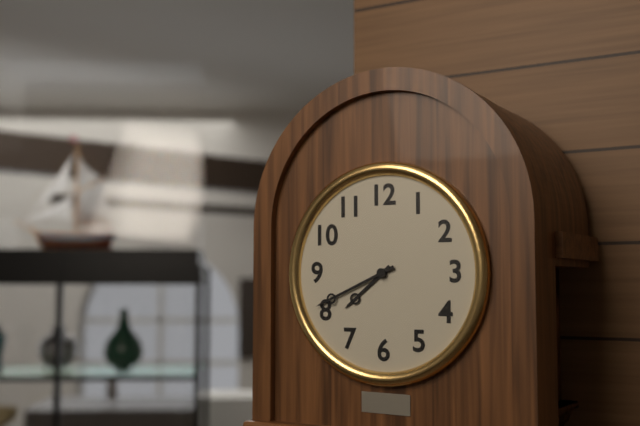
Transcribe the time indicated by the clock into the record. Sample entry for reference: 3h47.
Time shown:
7h41
